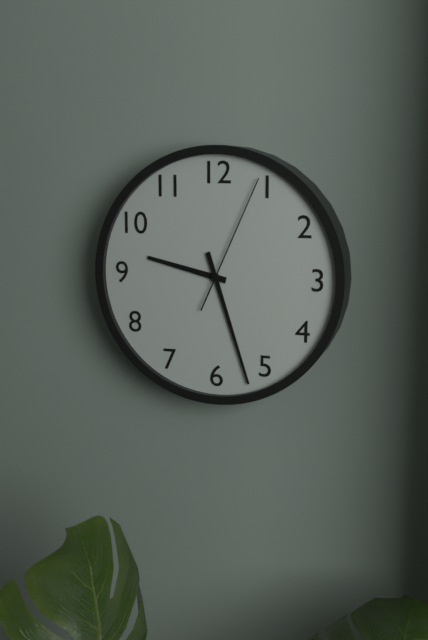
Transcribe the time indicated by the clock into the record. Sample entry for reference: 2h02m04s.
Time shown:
9h27m04s
